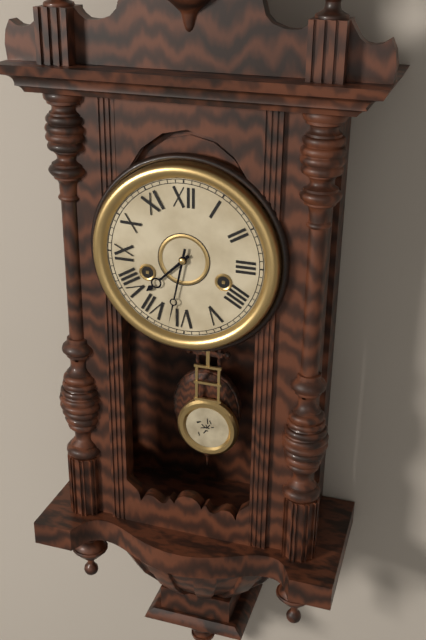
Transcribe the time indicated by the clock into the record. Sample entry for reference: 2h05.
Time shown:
7h32
